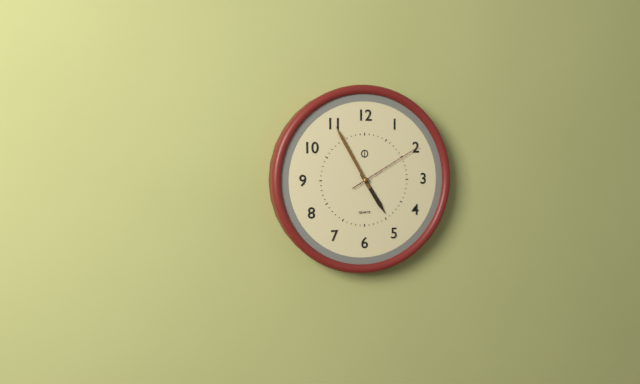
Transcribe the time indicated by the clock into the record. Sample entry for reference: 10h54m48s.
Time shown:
4h55m10s
